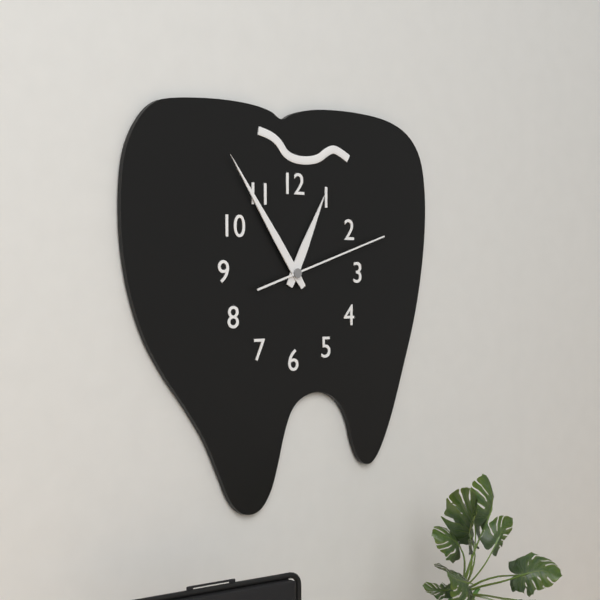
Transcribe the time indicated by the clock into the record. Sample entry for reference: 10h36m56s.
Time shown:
12h54m12s
